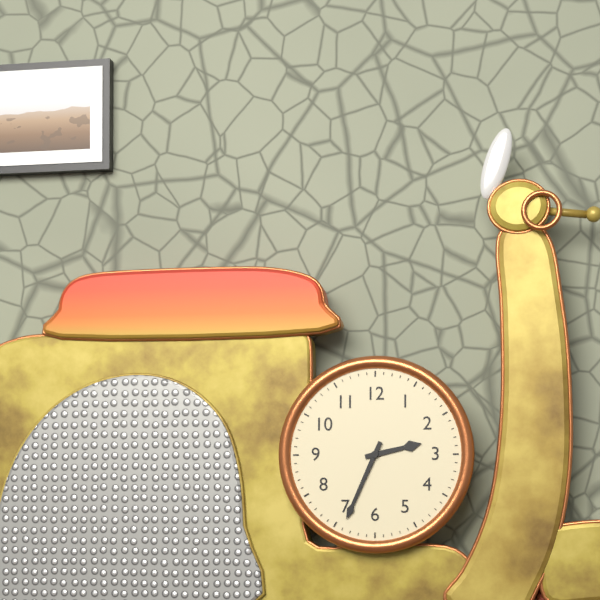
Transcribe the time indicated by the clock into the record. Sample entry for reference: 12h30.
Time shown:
2h34
